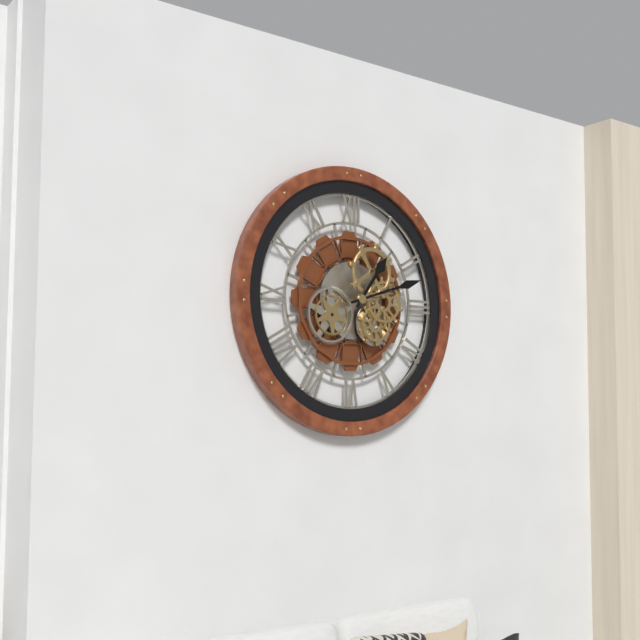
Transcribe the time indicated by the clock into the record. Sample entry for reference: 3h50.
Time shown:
1h12
